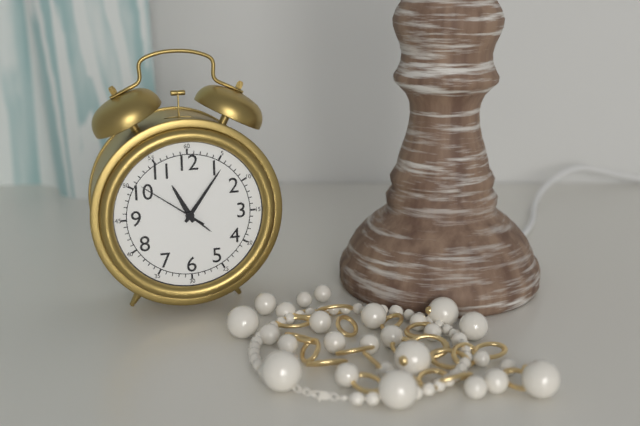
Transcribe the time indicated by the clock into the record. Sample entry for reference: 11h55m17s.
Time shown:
11h06m51s
